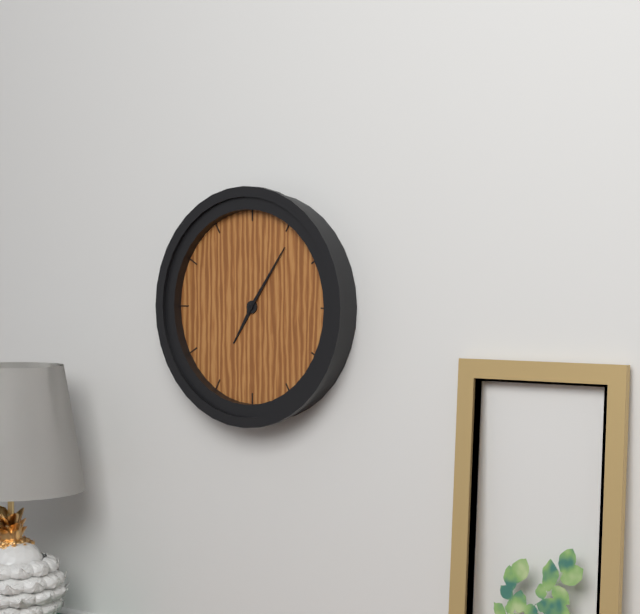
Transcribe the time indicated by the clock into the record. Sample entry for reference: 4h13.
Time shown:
7h06
